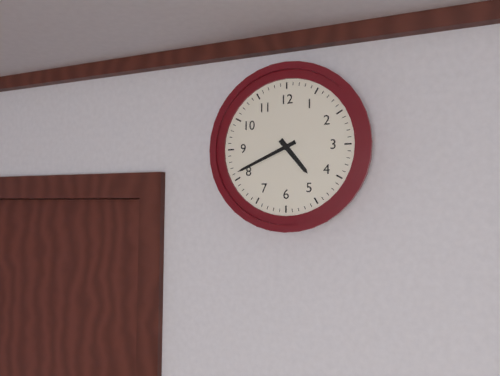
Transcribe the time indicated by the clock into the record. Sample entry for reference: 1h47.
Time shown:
4h41
